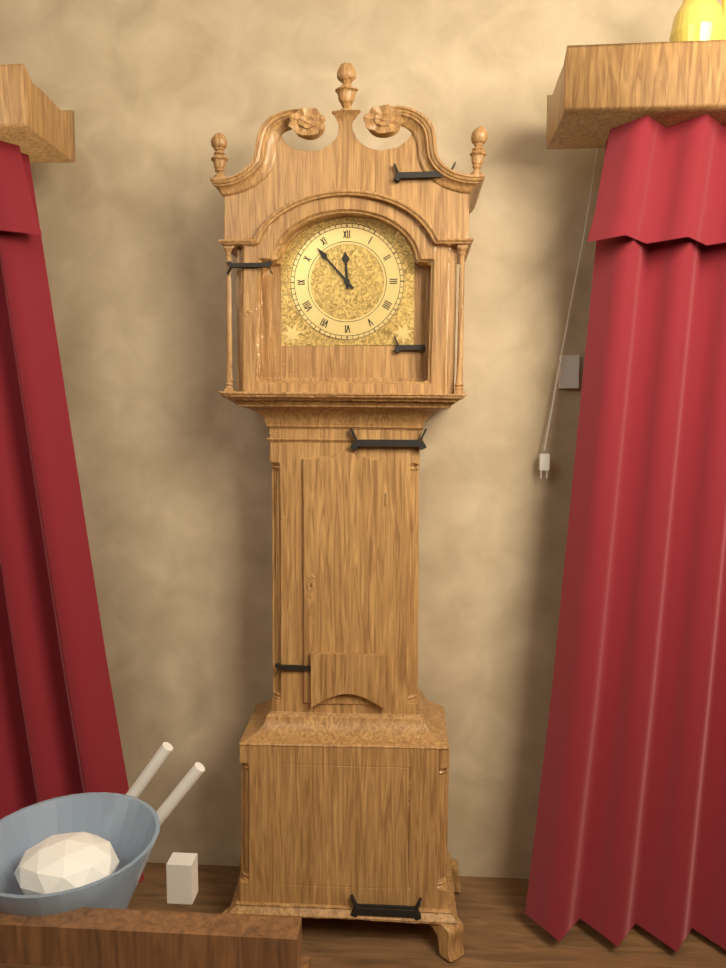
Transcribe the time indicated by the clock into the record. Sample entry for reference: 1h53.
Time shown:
11h53
